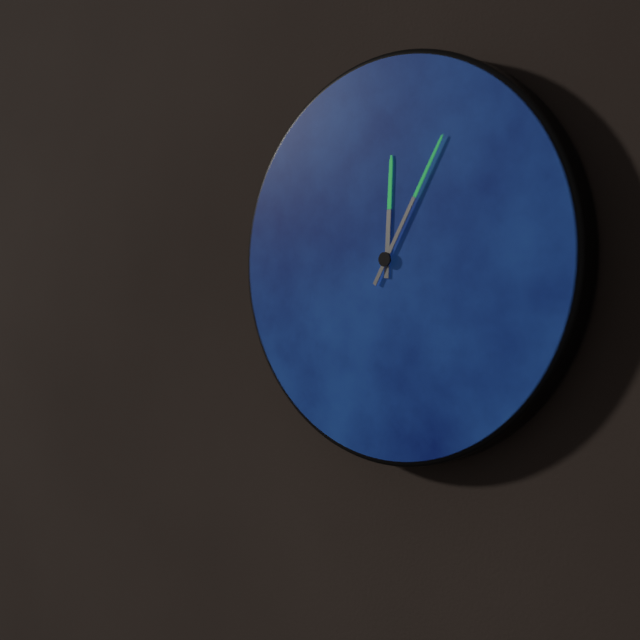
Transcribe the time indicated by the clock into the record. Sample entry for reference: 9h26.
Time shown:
12h05
